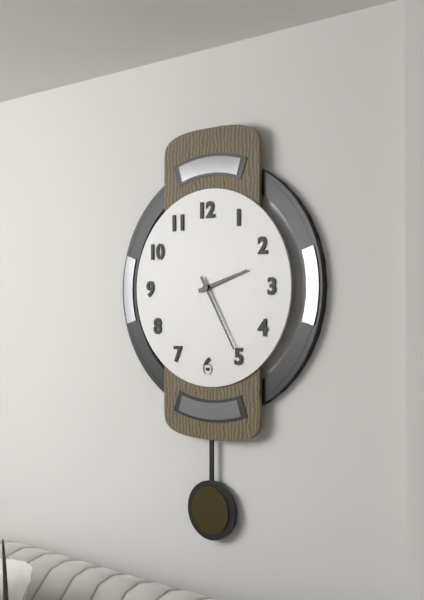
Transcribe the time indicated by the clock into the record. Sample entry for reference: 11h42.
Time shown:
2h25
